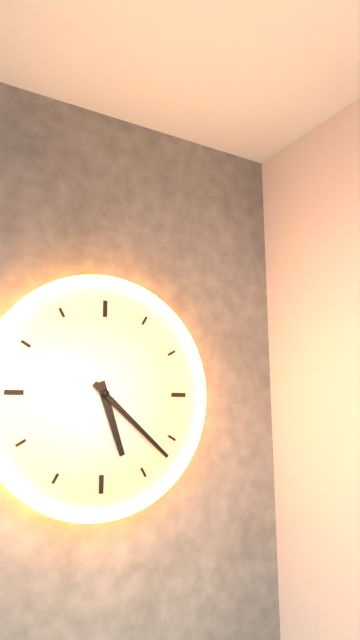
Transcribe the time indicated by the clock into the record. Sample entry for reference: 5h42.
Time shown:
5h22
